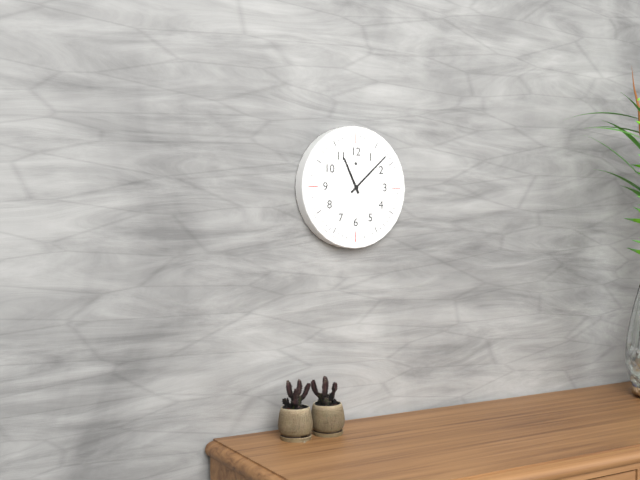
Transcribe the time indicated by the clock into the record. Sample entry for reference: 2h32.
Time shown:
11h08
